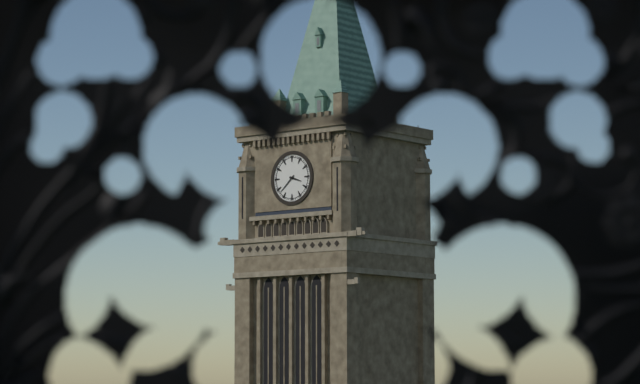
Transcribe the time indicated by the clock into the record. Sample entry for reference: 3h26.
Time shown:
3h38
